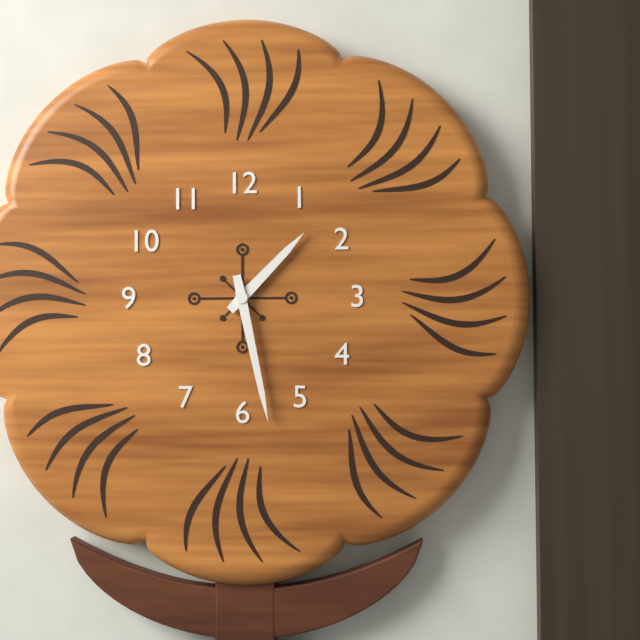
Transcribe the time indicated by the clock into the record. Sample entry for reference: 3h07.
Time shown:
1h28
